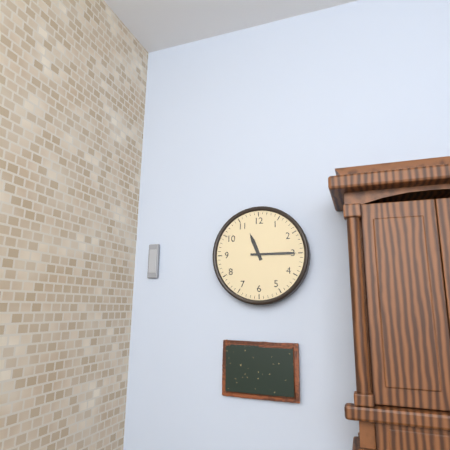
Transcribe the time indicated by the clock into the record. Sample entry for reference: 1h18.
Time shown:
11h15
